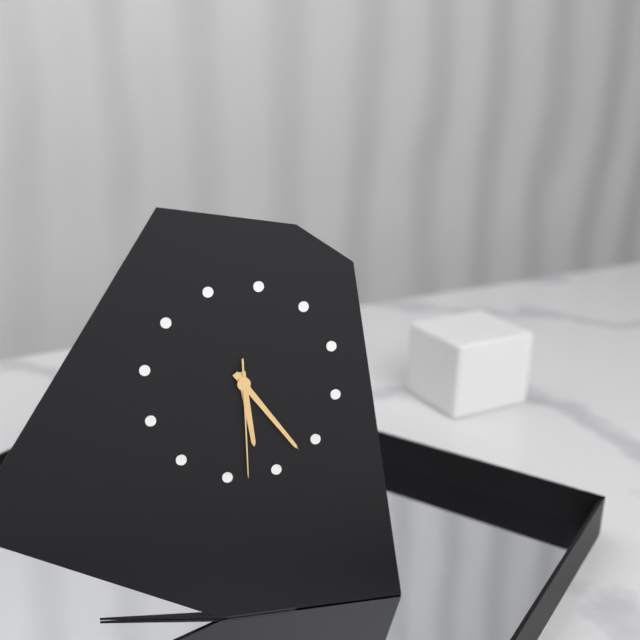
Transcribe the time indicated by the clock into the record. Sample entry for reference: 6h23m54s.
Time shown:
5h22m28s
